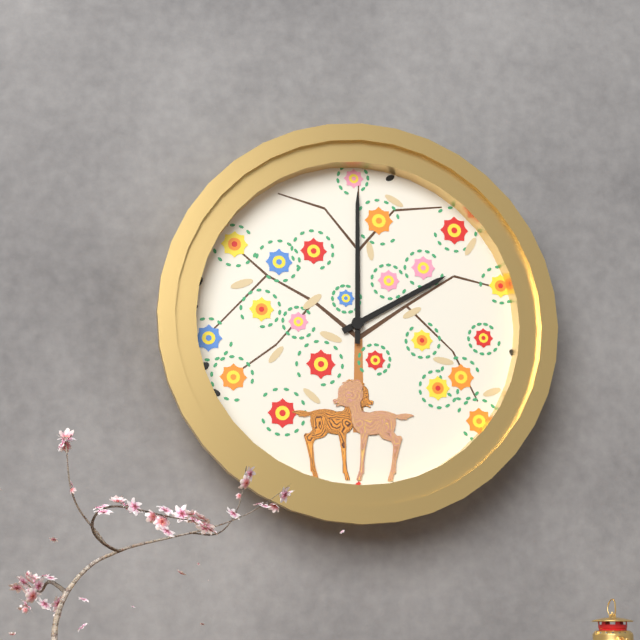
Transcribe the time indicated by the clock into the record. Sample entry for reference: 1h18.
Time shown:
2h00
